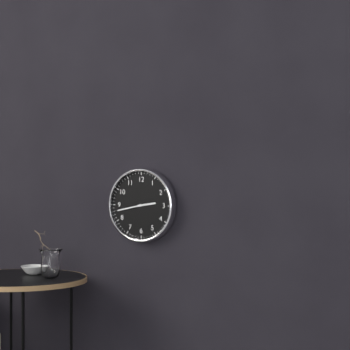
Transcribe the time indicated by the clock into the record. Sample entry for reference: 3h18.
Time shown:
2h43
